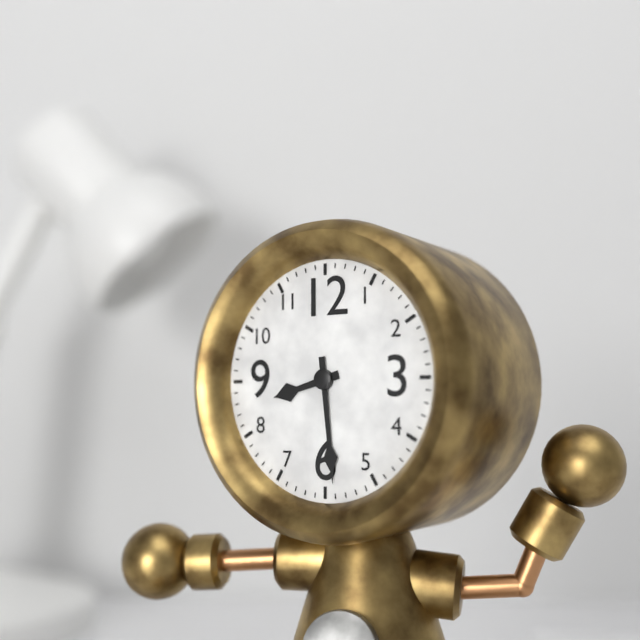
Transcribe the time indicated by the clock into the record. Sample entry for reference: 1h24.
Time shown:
8h29
